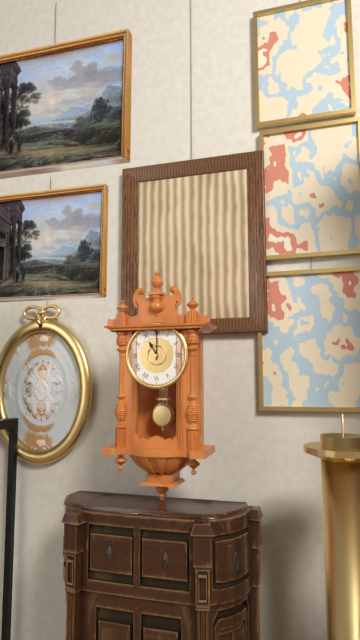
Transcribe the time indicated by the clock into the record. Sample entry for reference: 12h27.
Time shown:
11h00
